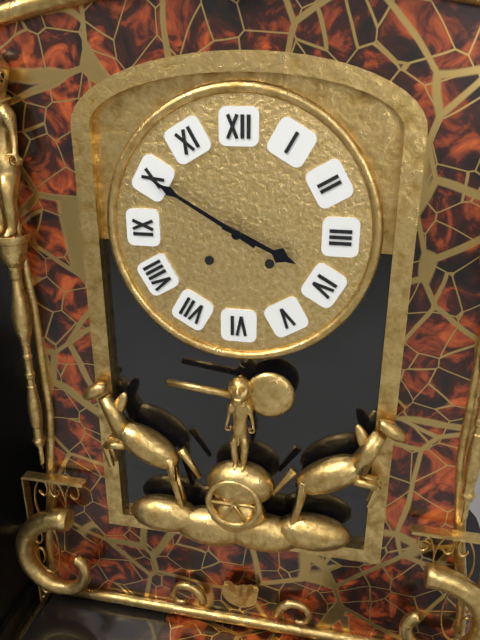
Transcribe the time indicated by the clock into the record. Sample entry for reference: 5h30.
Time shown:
3h50
